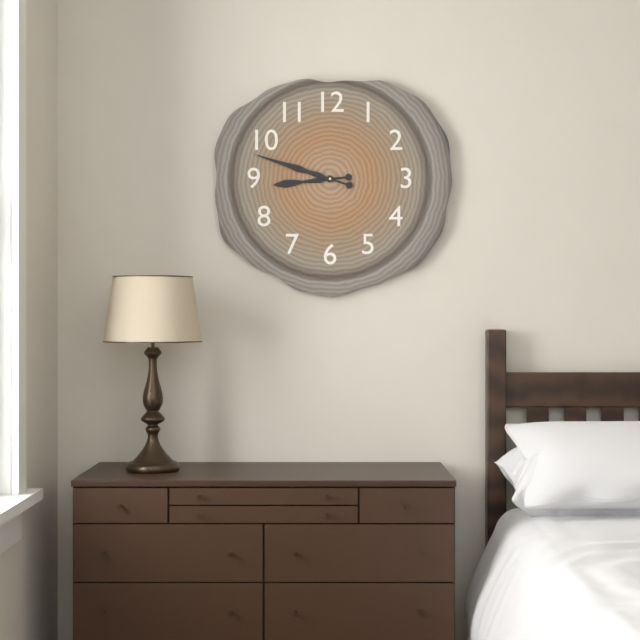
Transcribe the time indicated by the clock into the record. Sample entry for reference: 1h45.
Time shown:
8h48
